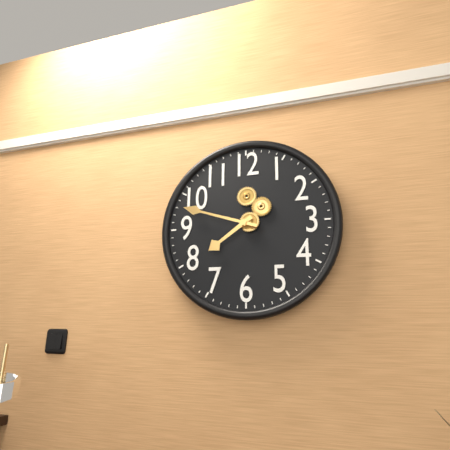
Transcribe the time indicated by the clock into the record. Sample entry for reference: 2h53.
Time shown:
7h48
